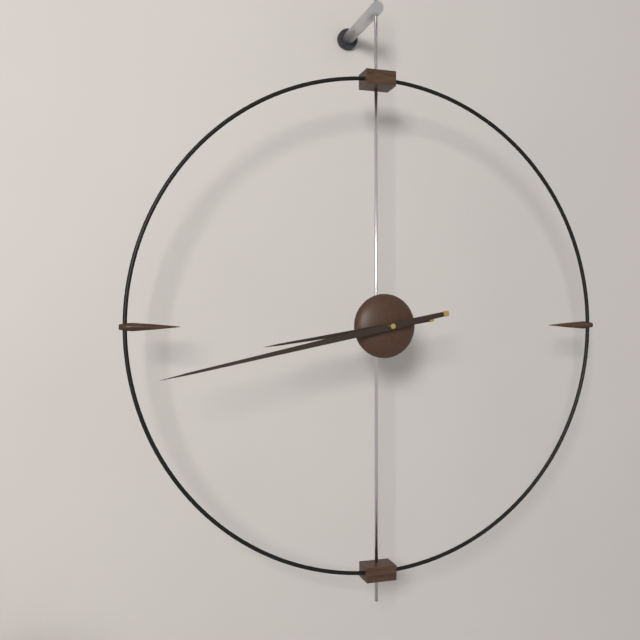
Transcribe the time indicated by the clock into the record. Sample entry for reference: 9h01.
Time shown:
8h43
